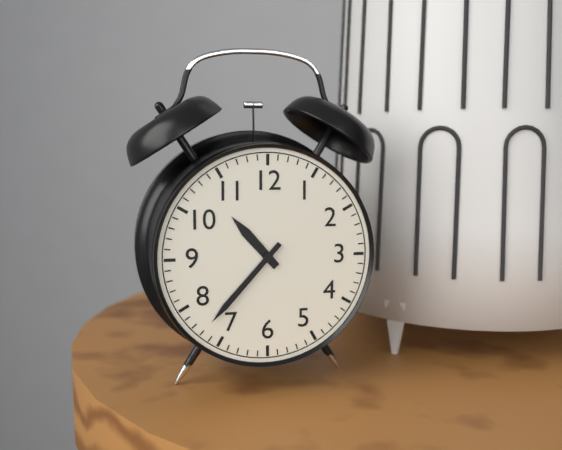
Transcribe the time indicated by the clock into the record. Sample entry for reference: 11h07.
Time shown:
10h37
